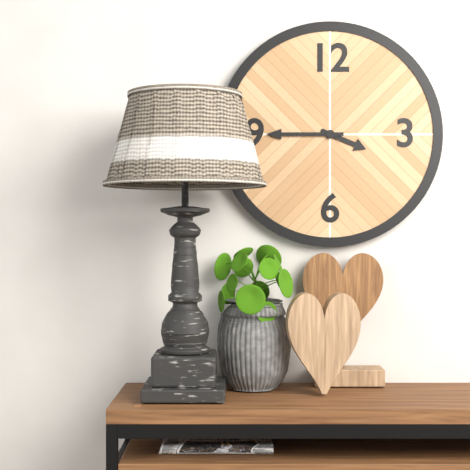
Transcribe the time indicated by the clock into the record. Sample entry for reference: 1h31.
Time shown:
3h45
